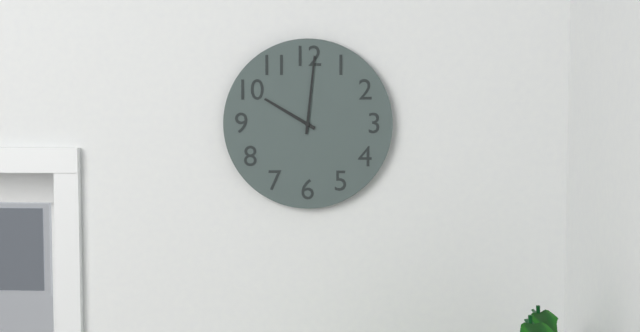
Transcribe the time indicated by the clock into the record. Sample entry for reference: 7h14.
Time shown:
10h01
